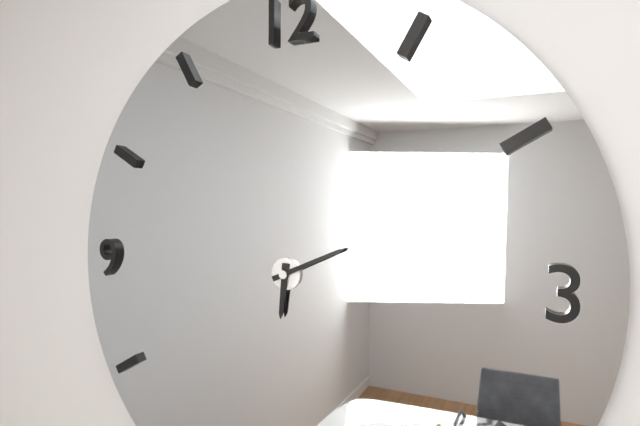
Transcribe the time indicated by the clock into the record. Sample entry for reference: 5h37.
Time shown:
6h11
